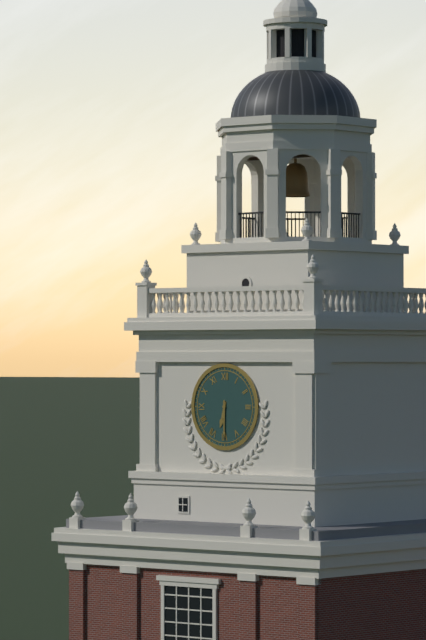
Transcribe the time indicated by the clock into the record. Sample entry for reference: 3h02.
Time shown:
6h30
